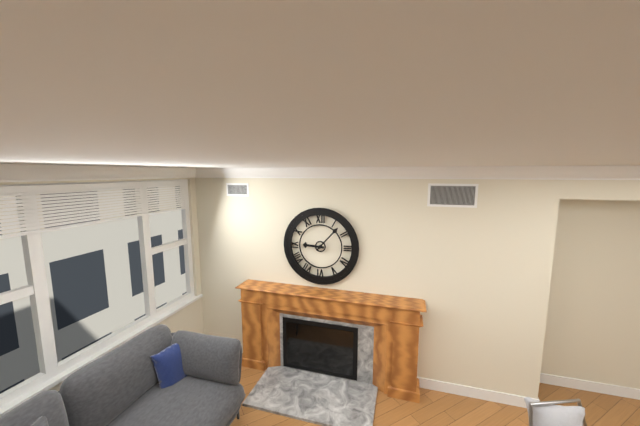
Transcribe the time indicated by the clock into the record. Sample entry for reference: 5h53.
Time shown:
9h07
